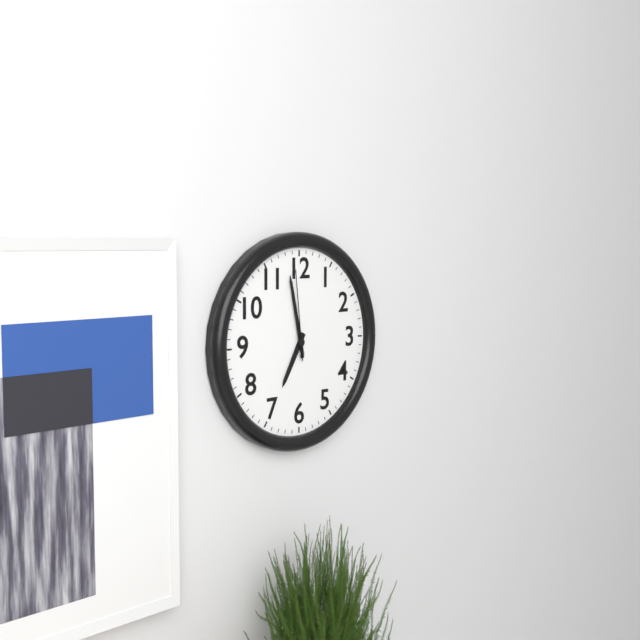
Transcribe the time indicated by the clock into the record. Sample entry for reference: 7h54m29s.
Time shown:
6h58m59s
